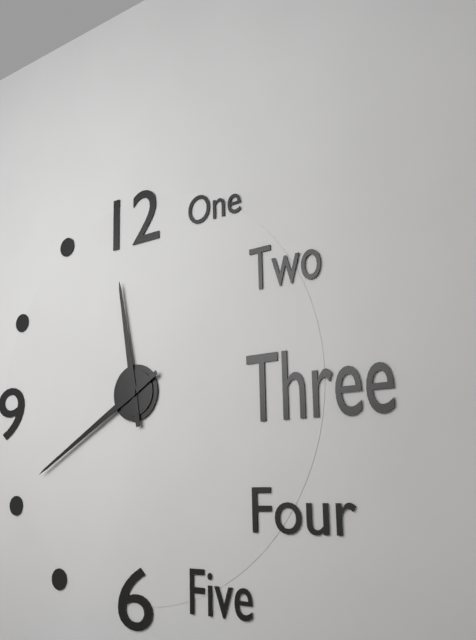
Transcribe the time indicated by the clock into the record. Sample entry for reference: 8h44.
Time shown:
11h40
